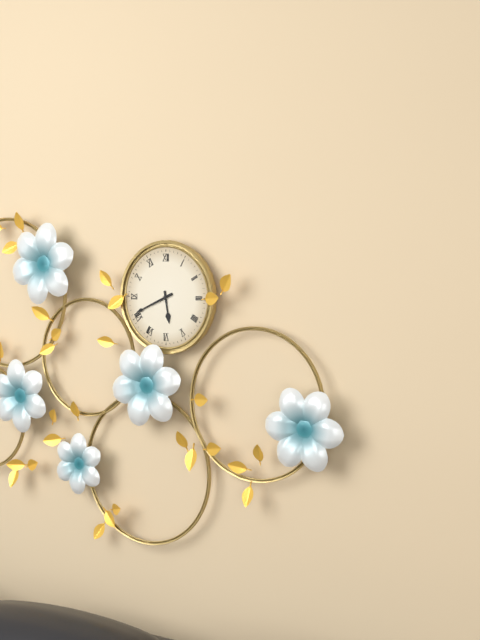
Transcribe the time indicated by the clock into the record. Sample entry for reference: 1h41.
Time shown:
5h41
